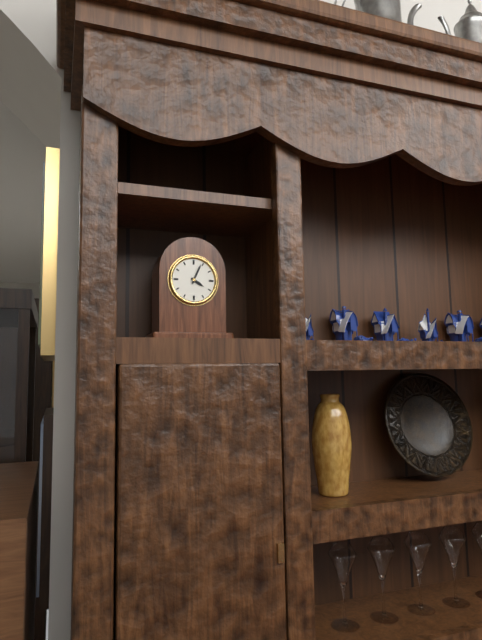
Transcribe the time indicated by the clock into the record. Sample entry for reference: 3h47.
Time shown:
4h04
